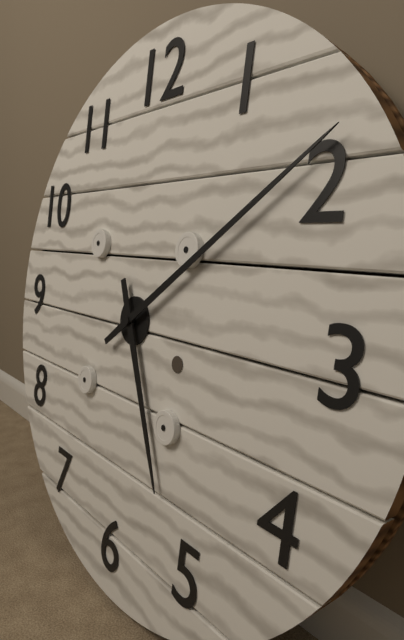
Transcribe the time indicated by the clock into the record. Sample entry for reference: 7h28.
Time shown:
5h09
